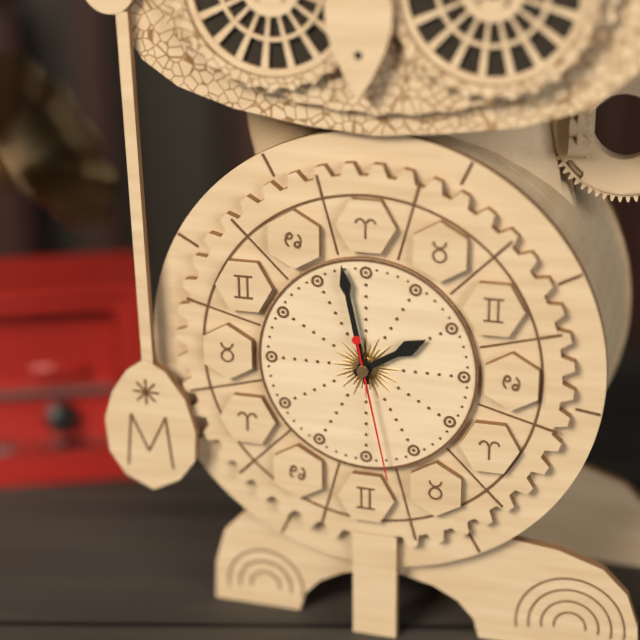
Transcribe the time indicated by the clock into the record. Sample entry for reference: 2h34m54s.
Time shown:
1h58m28s
